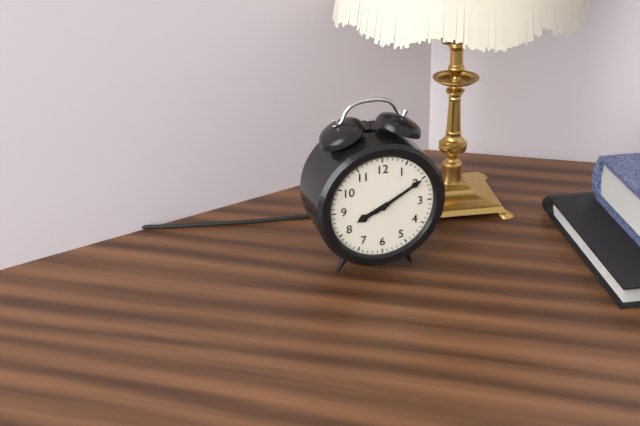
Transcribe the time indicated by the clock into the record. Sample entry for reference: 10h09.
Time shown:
8h10
